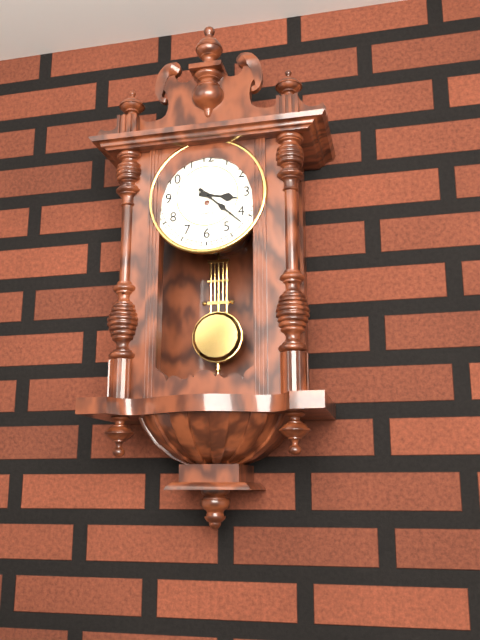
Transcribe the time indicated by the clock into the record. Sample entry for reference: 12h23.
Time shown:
3h22
